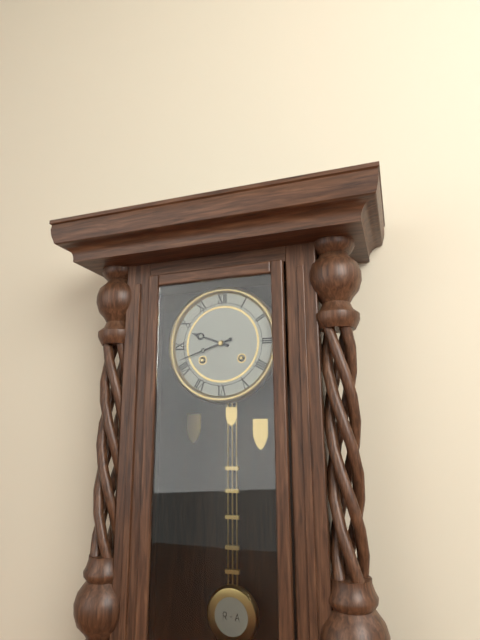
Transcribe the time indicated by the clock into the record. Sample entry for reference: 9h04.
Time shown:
9h42
